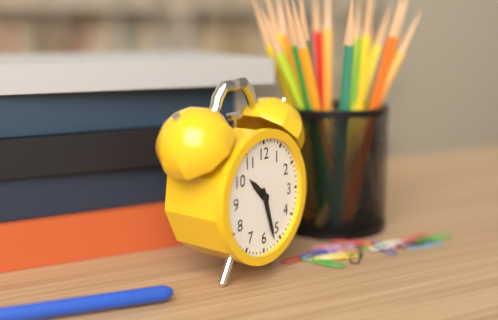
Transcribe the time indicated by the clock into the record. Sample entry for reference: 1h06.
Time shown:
10h27
